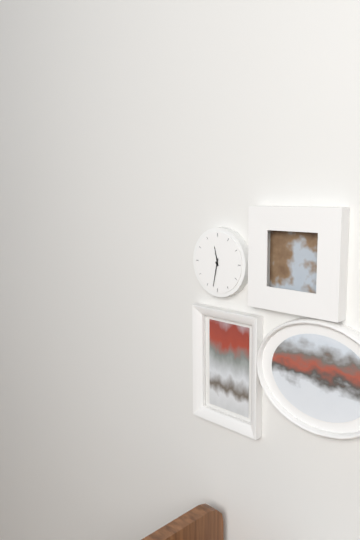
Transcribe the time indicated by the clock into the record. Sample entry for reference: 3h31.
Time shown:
11h32
